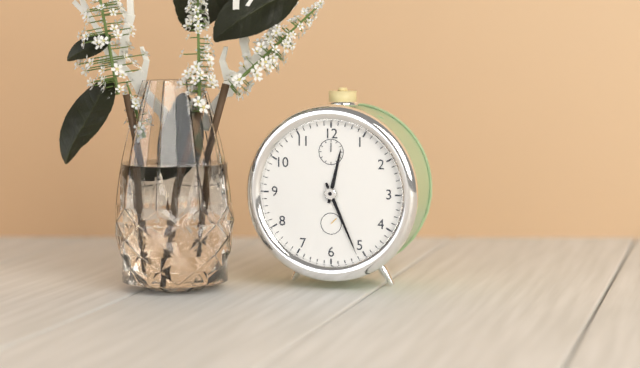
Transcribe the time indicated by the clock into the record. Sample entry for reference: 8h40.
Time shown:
12h26
